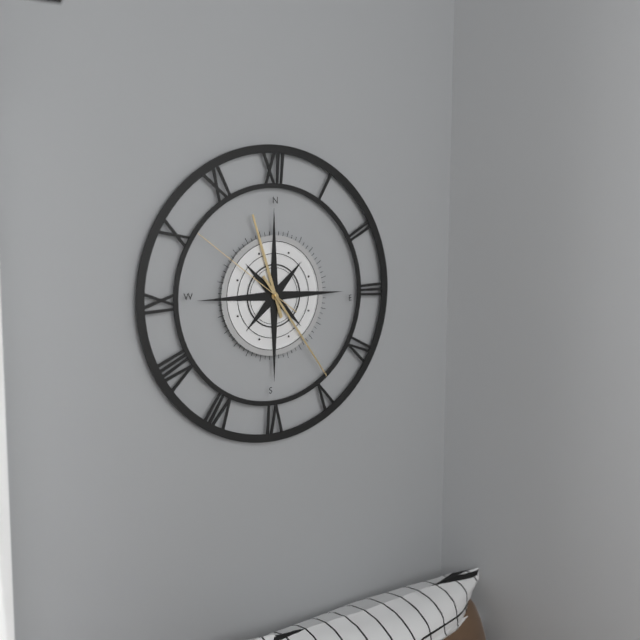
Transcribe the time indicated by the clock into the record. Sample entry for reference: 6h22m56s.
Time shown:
11h24m51s
